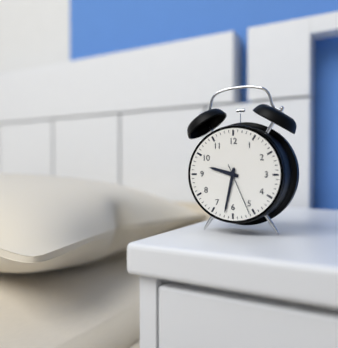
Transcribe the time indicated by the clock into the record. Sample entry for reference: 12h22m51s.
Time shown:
9h32m26s
